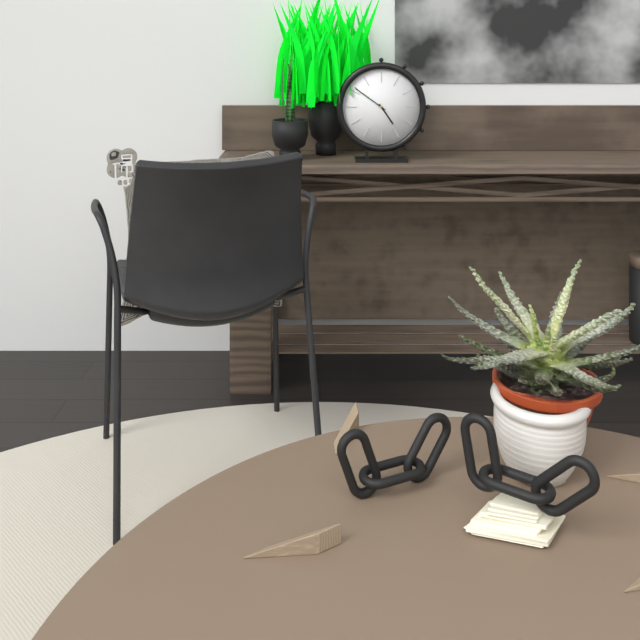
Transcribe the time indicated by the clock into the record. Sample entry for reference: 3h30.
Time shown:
4h51
